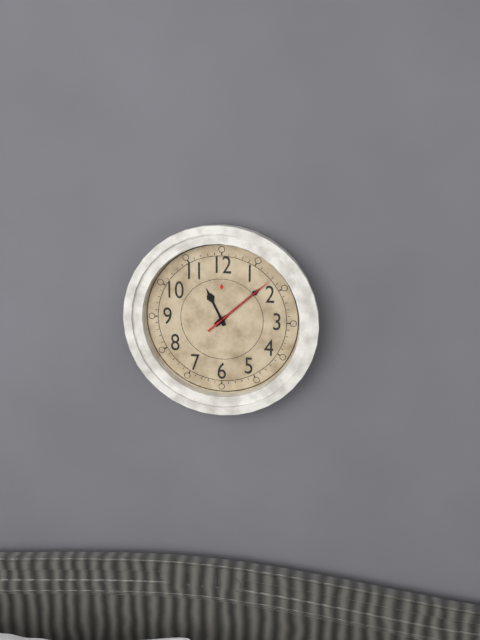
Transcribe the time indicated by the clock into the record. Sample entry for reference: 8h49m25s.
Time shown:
11h08m08s
